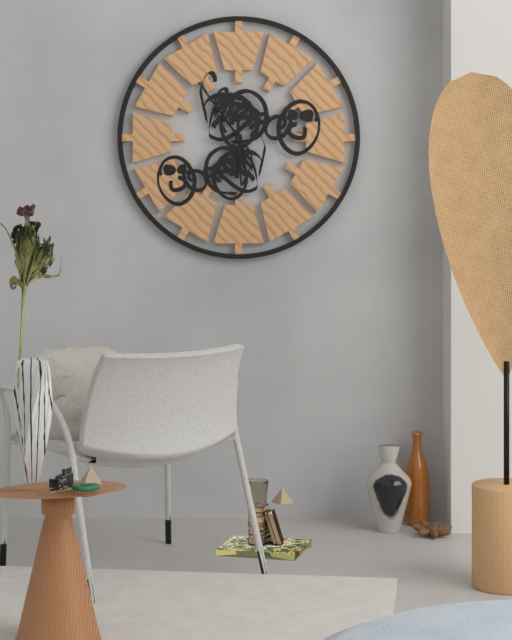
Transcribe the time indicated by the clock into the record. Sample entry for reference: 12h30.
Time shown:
5h54
